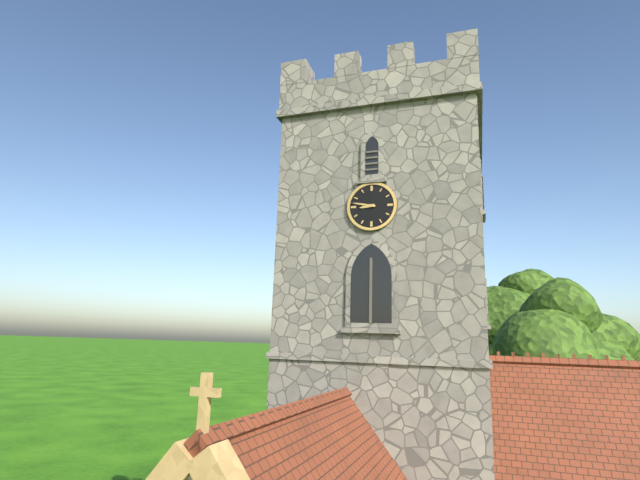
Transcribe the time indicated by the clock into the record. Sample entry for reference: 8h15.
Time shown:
8h47
